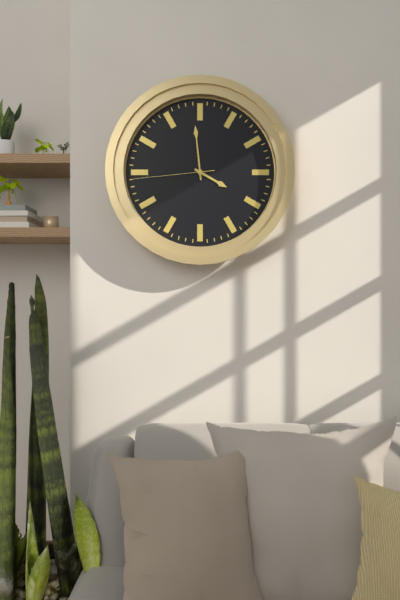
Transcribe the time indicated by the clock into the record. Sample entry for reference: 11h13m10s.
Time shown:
3h59m44s
